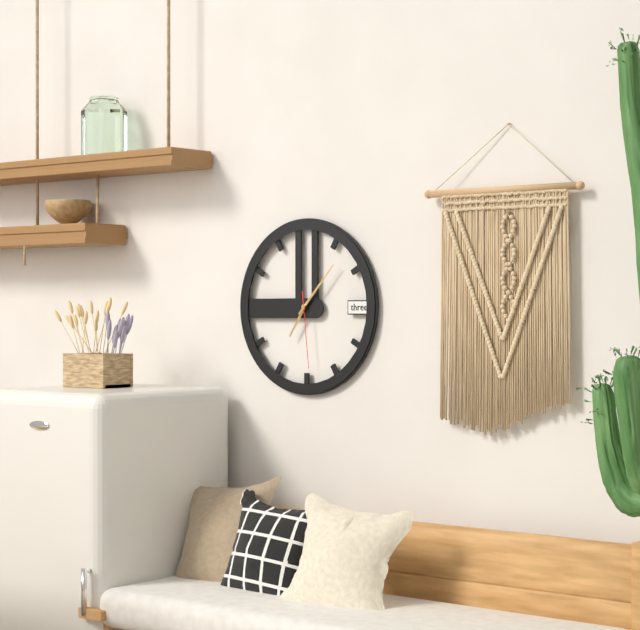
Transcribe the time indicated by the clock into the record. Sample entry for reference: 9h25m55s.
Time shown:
7h07m29s
